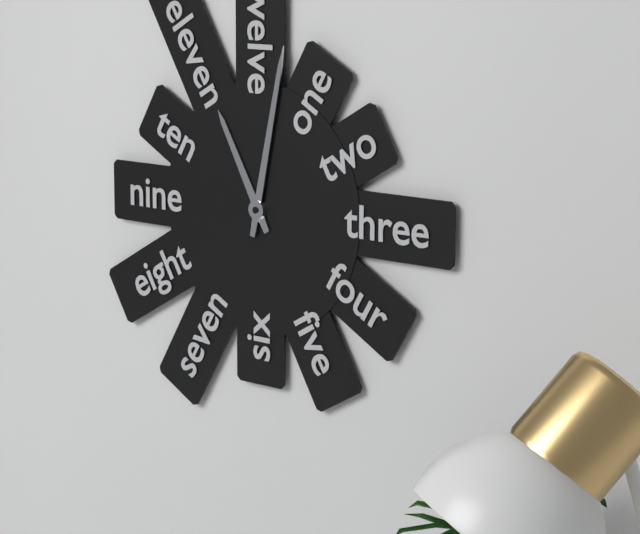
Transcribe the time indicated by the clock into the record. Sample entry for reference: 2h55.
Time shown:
11h02
